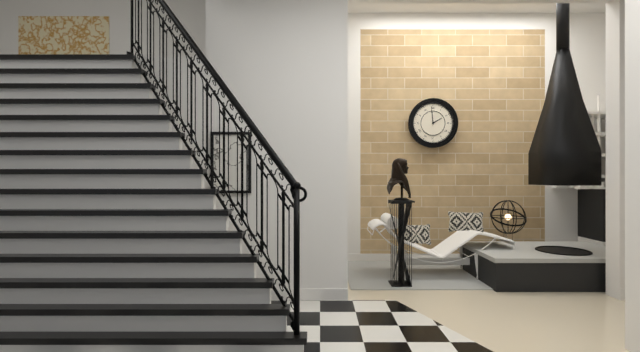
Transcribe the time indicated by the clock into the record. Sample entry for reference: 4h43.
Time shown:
1h59
